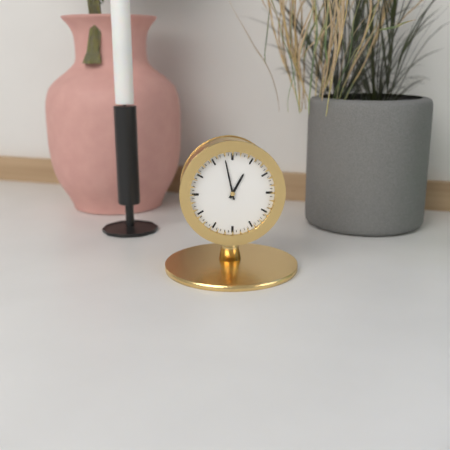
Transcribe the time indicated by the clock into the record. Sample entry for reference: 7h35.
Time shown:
12h58
